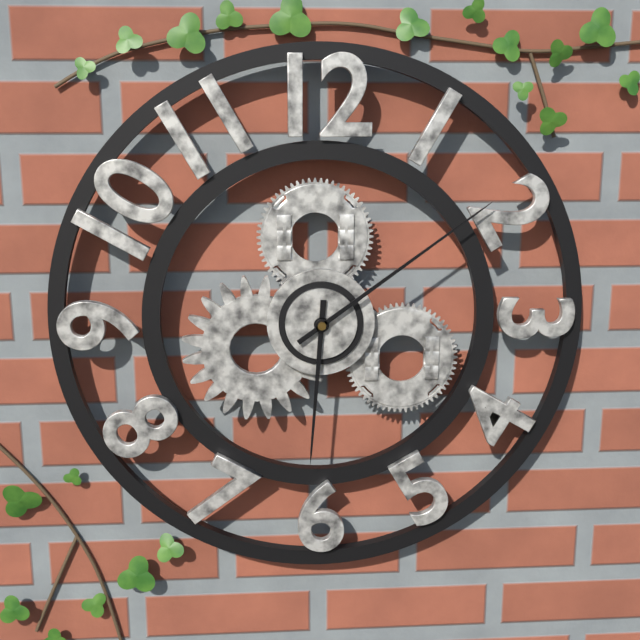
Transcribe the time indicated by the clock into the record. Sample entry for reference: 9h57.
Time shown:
6h09
